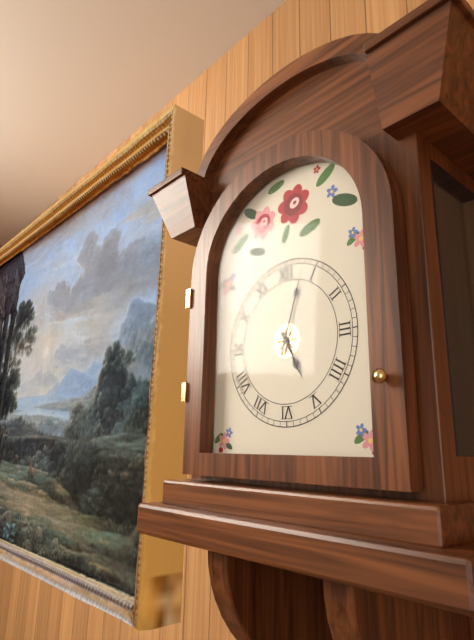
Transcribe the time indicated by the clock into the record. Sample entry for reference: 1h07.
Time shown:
5h03
